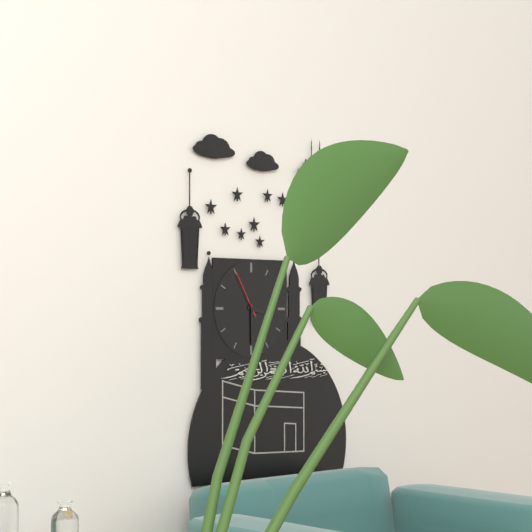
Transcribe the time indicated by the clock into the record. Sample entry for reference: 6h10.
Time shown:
3h30
